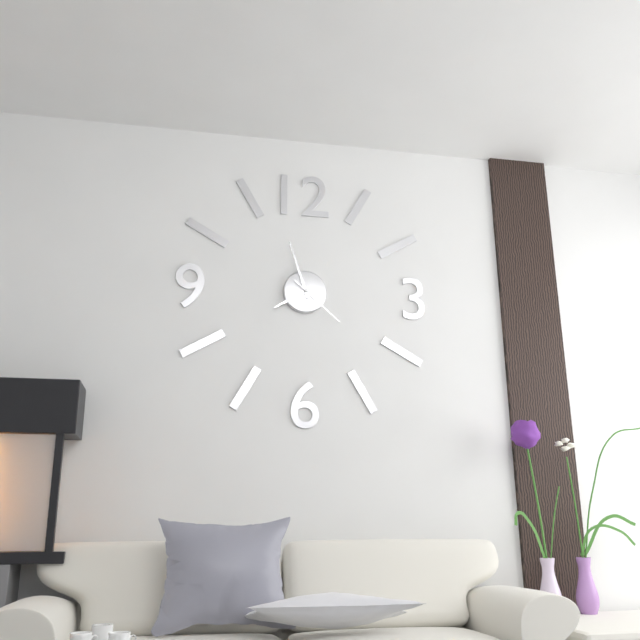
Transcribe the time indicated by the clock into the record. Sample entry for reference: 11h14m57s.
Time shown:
7h57m22s
